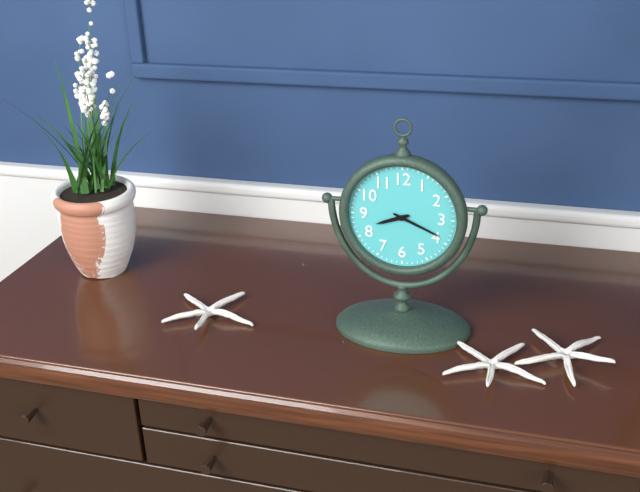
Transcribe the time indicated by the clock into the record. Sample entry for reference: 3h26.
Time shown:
8h19
